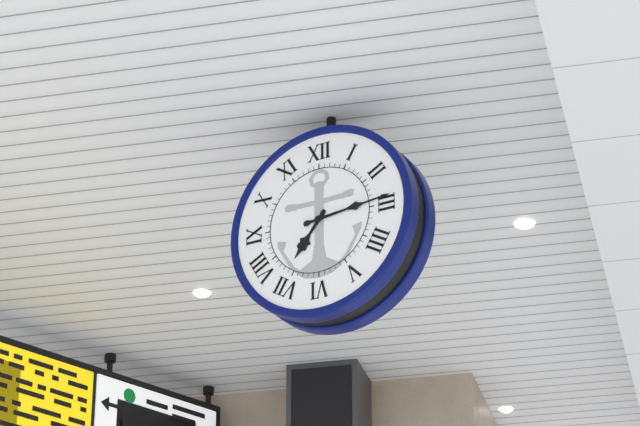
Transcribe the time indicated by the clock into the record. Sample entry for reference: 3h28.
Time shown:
7h14
